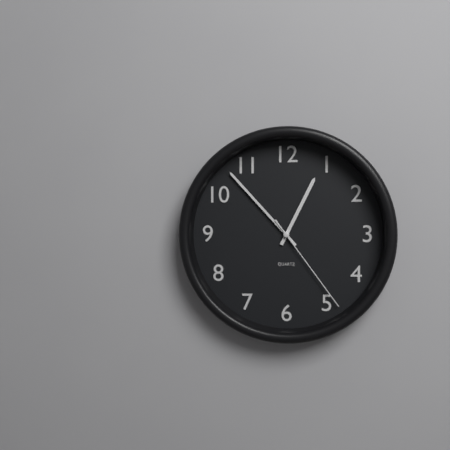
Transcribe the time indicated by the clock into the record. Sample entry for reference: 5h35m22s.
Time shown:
12h53m24s
